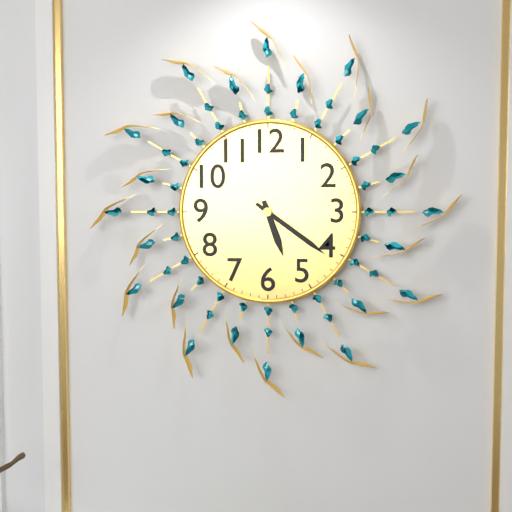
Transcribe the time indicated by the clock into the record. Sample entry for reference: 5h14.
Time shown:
5h21
